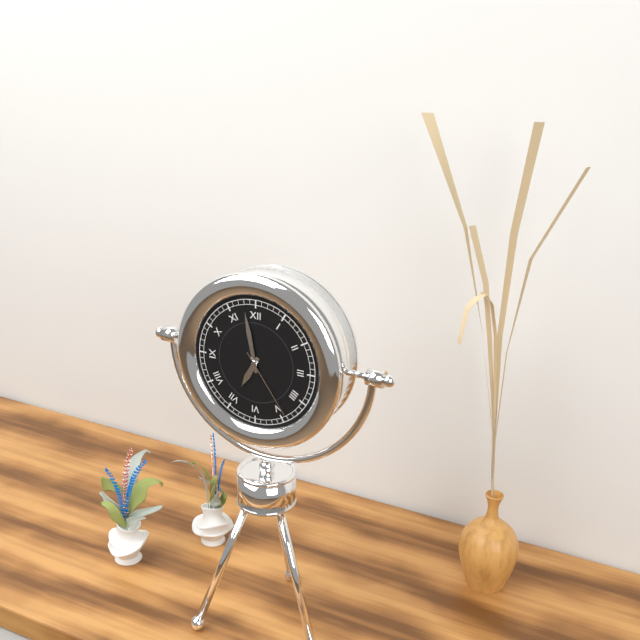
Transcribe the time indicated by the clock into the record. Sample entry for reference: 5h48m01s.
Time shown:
6h58m24s
